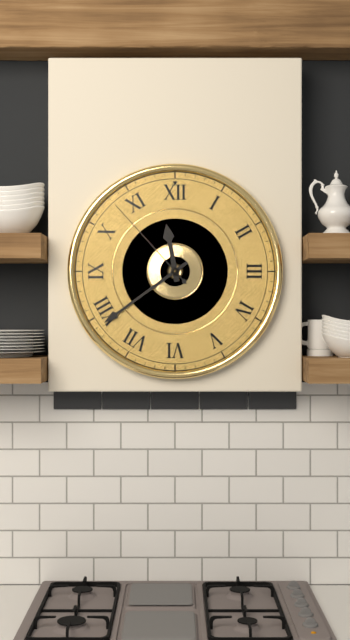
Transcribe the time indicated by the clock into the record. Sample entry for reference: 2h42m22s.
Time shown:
11h39m53s
